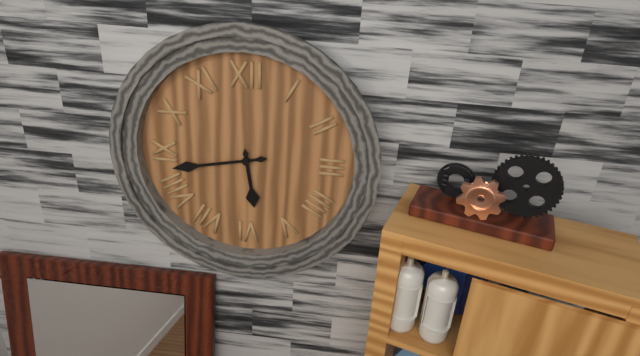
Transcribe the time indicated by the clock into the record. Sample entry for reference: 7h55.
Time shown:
5h43
